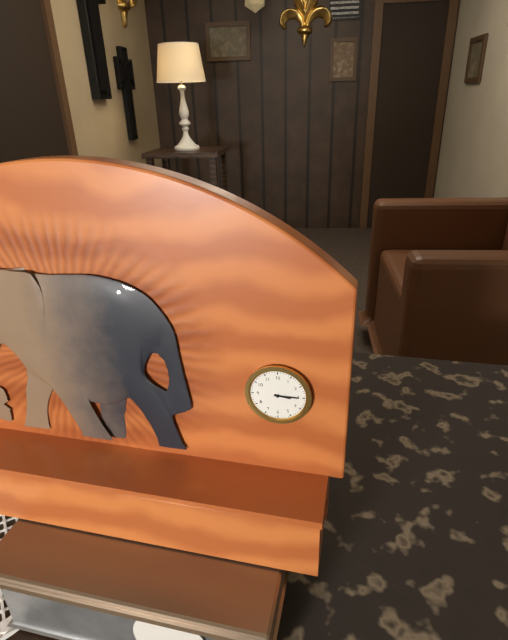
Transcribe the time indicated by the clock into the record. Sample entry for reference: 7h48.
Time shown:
3h15
